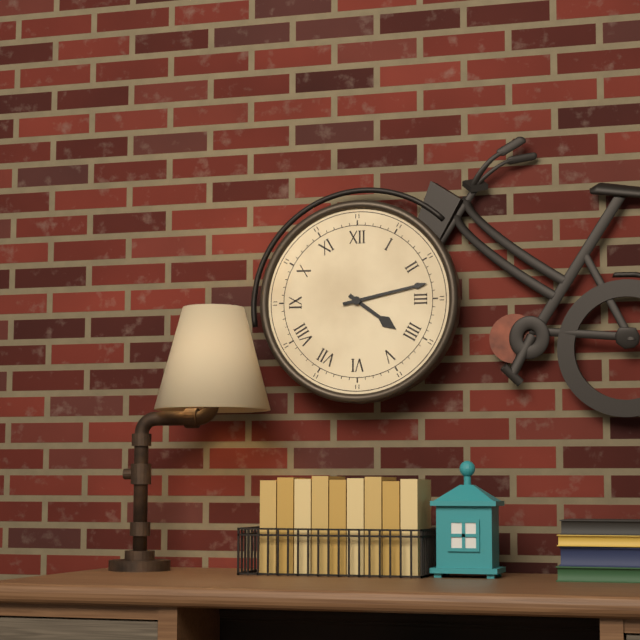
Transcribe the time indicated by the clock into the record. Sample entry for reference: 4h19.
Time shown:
4h13
